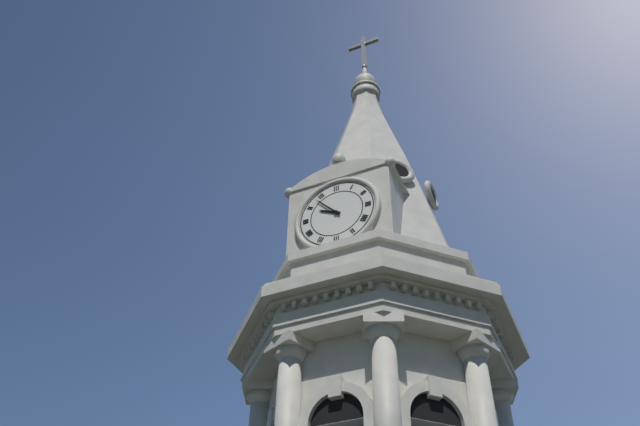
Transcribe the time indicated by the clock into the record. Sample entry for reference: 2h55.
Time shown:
9h53
